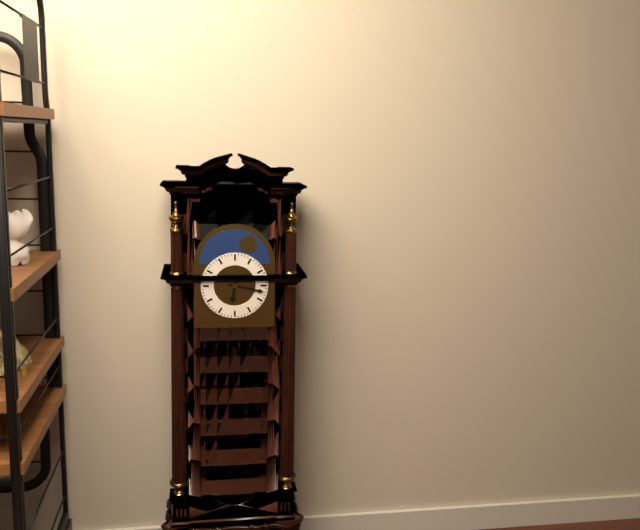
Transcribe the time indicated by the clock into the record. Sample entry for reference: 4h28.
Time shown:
6h17
